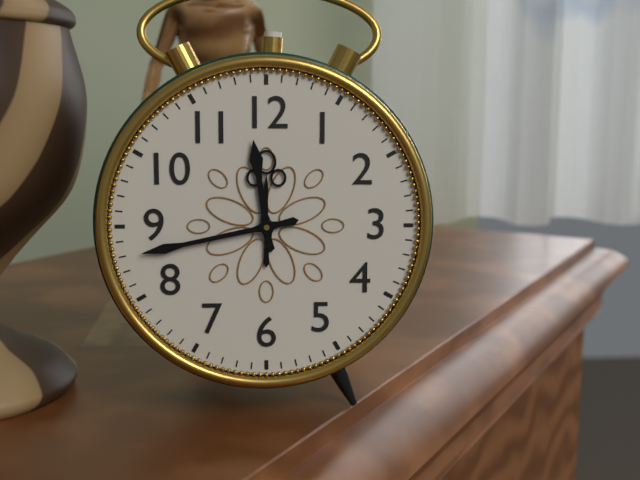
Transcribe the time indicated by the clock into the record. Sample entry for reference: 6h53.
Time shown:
11h43
